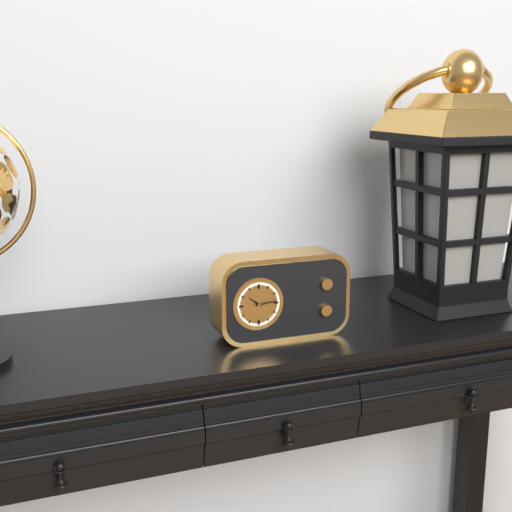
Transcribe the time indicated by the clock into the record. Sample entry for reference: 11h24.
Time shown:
10h14
